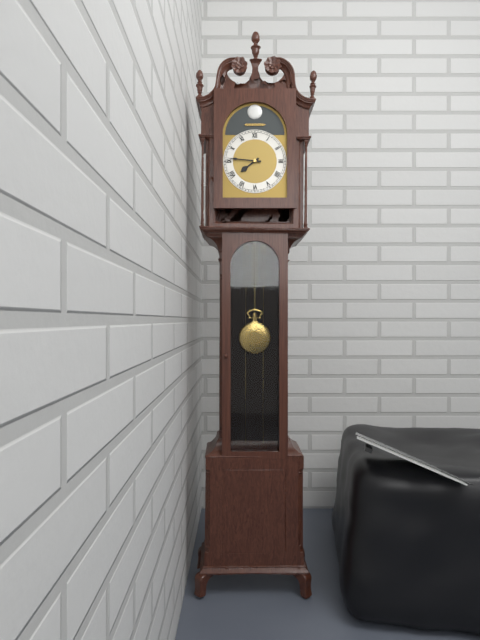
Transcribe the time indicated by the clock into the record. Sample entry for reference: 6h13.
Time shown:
7h46
